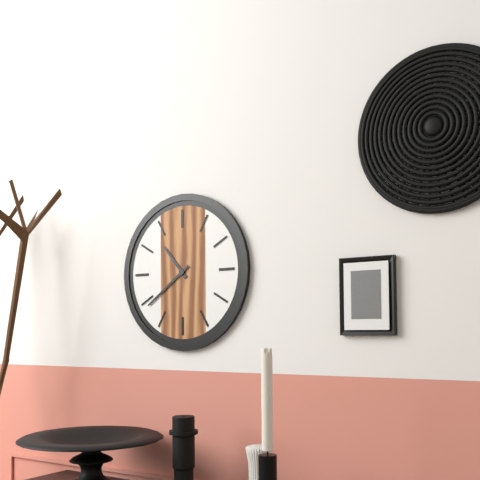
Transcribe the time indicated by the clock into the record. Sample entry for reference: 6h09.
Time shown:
10h39
